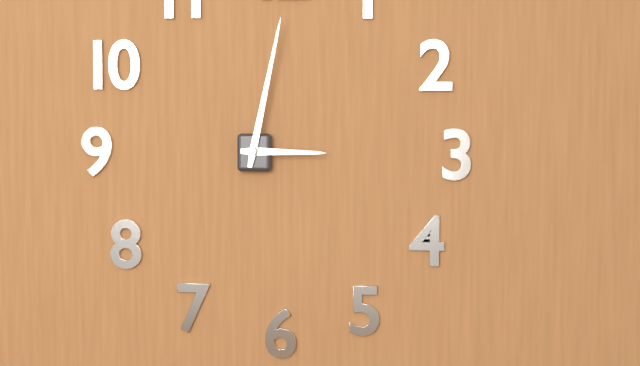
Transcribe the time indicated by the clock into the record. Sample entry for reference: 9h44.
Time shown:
3h02
